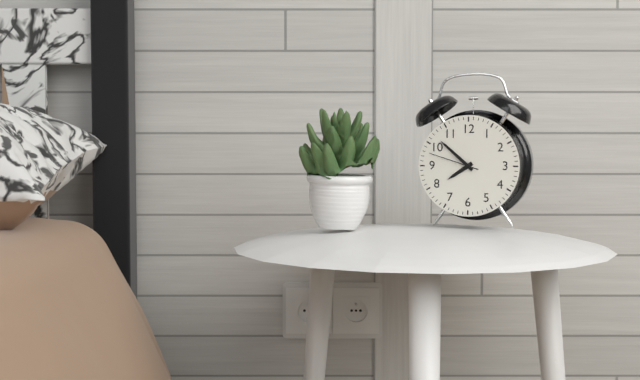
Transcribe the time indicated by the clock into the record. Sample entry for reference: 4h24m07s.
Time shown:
7h52m48s
